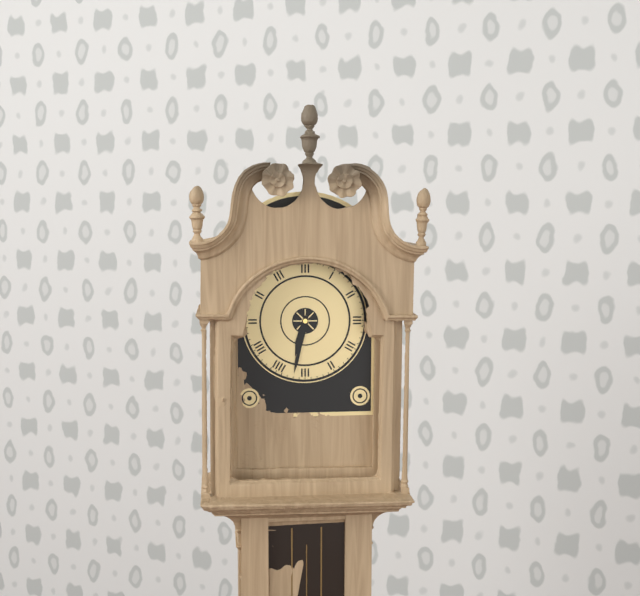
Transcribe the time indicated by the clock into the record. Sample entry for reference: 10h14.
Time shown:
6h32
